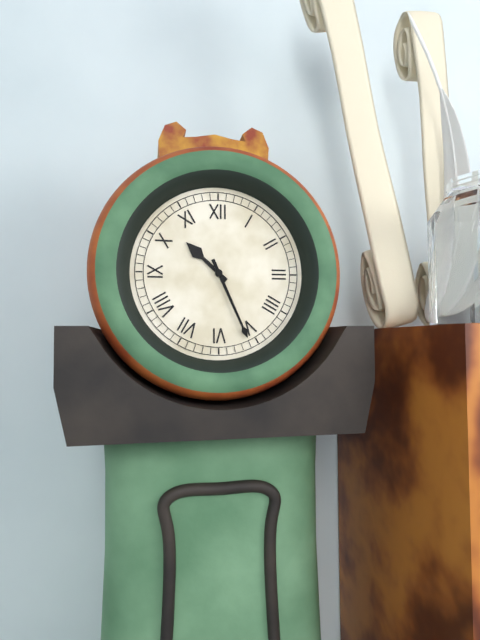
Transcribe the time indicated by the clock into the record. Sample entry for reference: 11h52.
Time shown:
10h26
